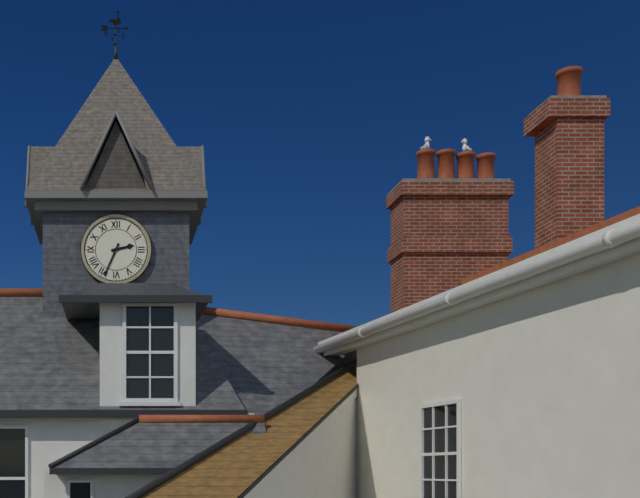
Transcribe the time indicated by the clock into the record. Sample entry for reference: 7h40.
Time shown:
2h34
